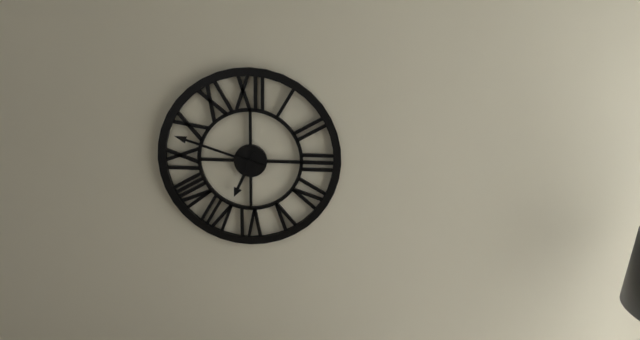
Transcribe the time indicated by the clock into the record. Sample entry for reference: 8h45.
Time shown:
6h48
